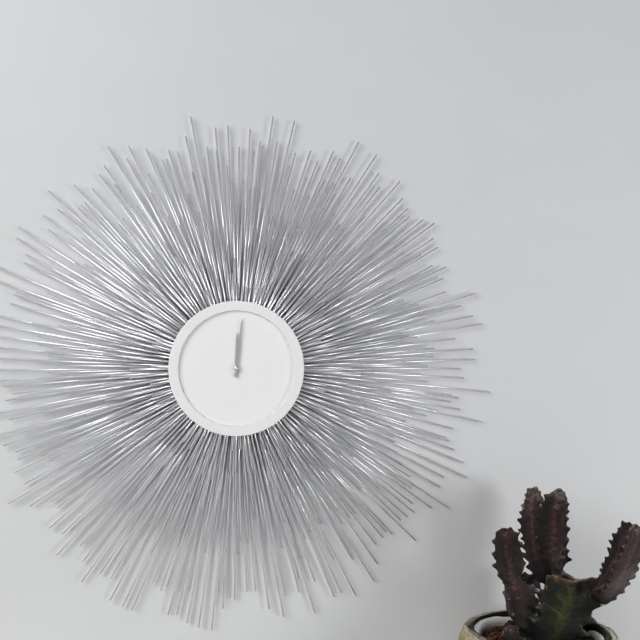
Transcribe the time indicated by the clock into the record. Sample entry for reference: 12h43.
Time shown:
12h01
